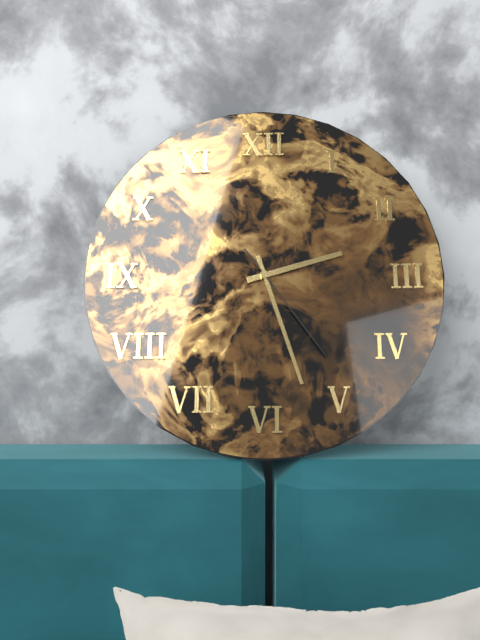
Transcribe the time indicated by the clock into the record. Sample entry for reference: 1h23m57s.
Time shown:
2h27m24s
